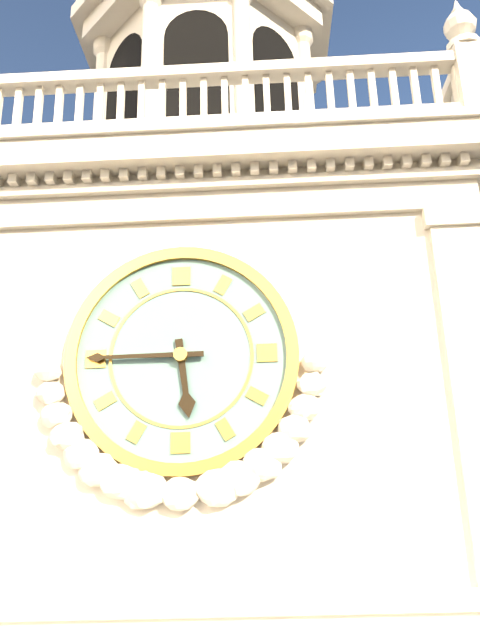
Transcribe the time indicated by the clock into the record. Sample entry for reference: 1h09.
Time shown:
5h45
